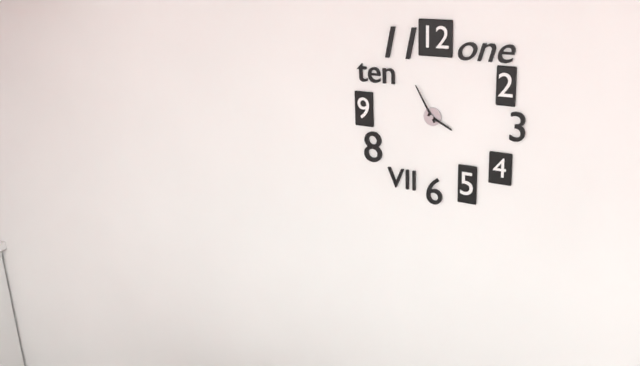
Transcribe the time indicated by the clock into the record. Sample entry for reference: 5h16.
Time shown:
3h55
